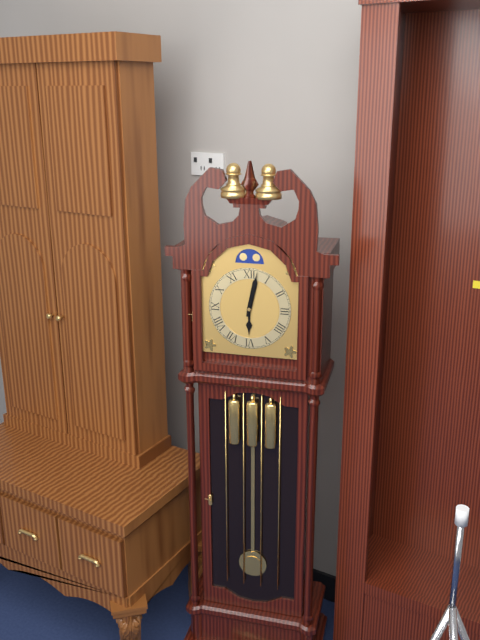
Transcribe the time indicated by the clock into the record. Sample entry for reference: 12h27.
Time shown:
6h02
